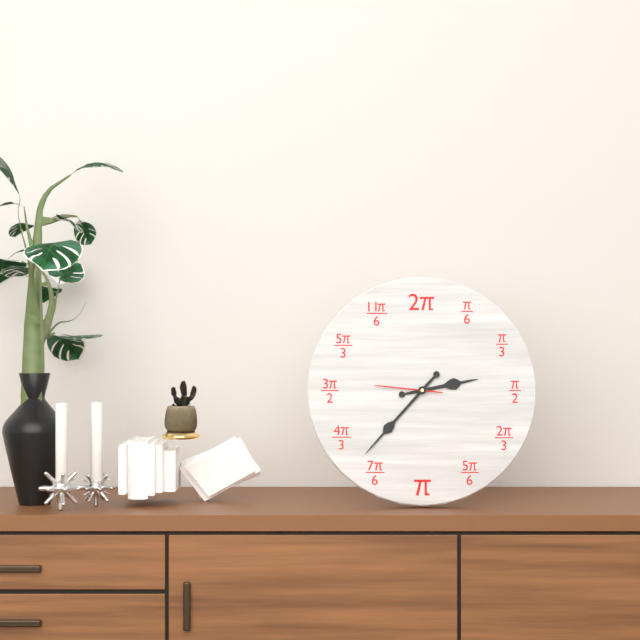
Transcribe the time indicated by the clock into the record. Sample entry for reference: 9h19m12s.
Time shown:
2h37m46s
